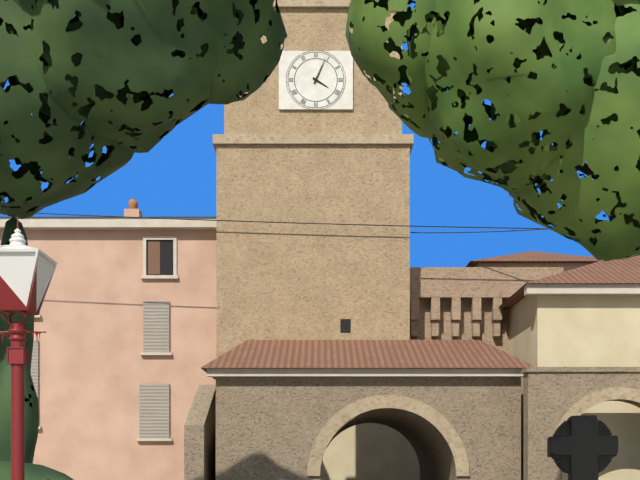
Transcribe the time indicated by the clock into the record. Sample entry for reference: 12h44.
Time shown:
4h04
